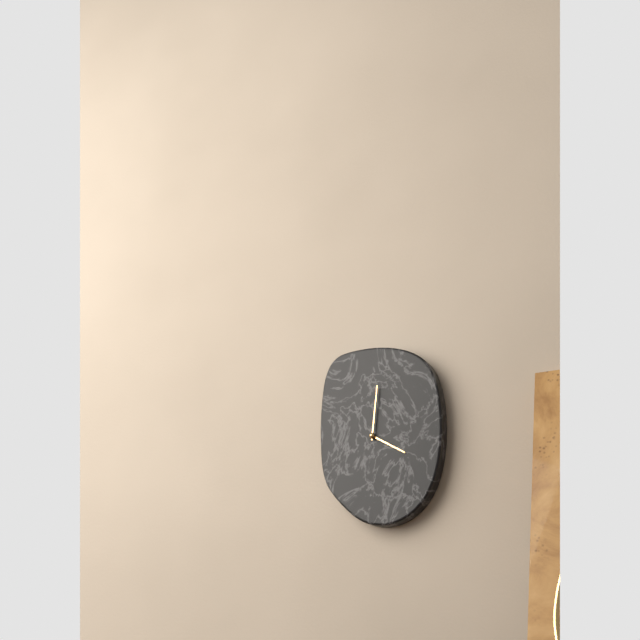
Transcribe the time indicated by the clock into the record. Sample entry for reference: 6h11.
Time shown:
4h01
